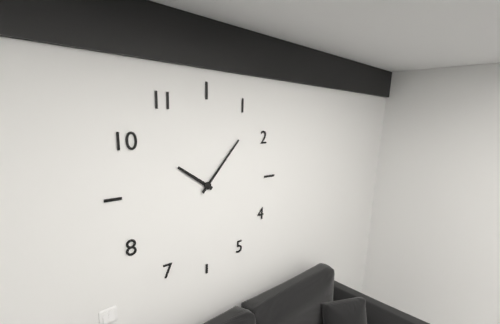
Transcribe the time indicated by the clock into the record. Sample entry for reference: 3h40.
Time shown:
10h07
